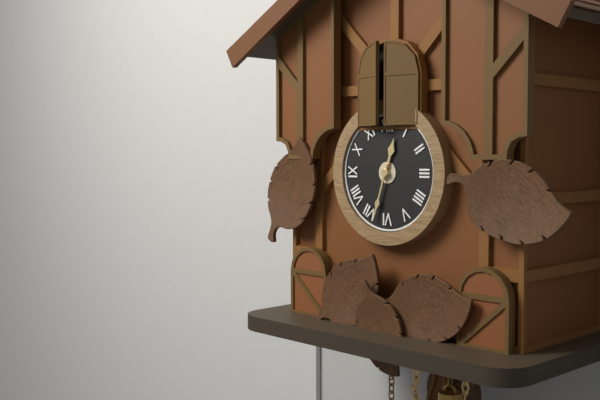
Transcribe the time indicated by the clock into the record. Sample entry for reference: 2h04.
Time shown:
12h33
